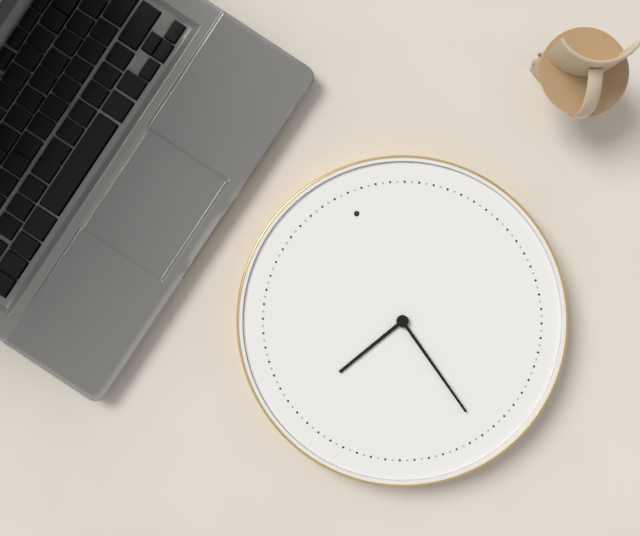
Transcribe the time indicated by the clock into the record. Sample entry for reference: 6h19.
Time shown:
8h28
